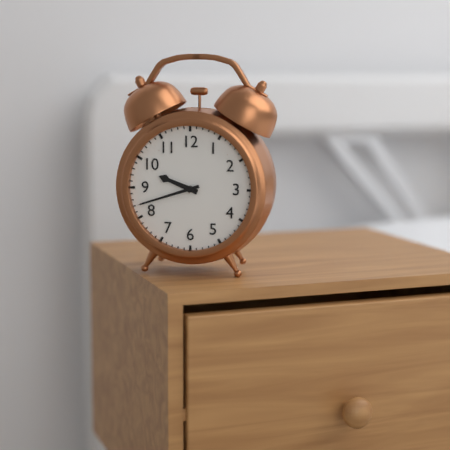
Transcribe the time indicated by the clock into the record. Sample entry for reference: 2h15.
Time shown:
9h42
